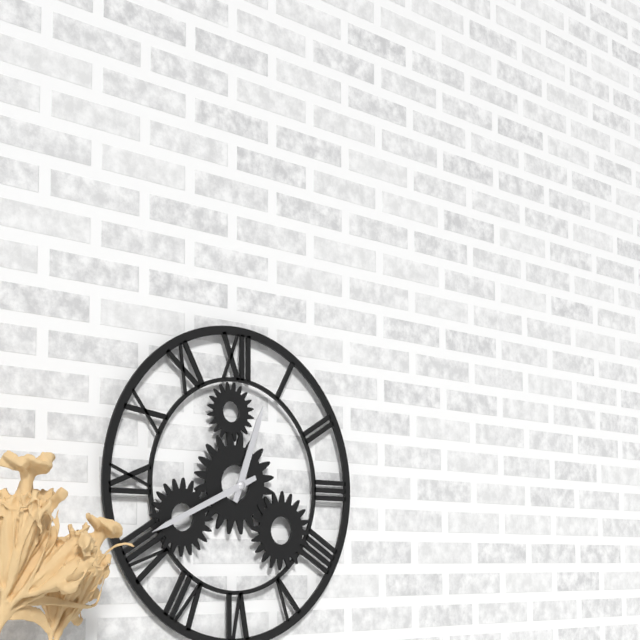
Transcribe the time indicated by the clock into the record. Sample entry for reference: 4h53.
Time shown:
12h41
